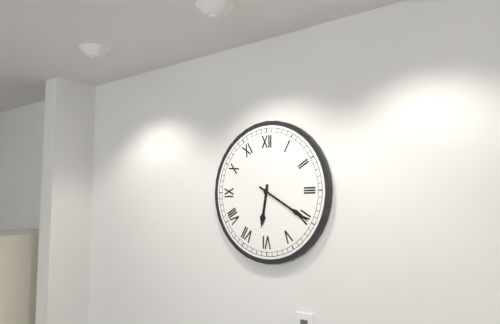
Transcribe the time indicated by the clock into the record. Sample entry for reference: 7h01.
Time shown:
6h20
